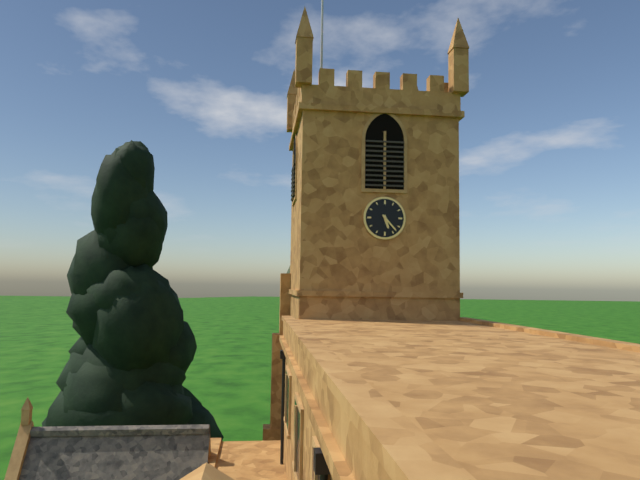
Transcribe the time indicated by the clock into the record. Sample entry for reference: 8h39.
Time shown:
5h23
